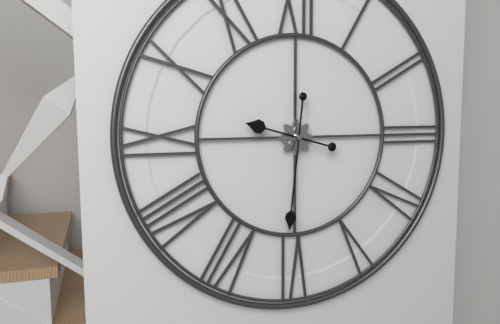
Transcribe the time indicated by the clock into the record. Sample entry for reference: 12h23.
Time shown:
9h31
